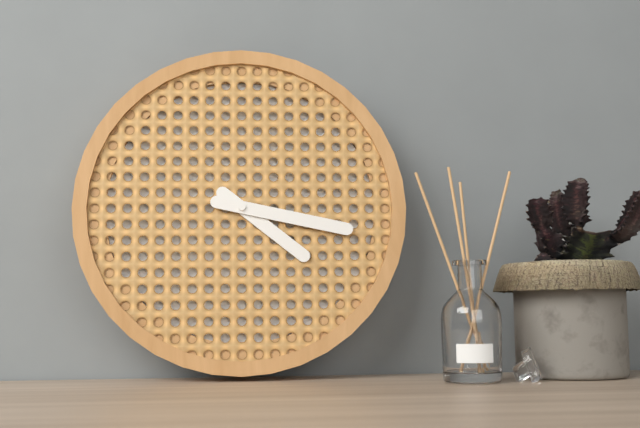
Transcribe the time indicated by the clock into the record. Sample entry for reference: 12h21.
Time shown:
4h17
